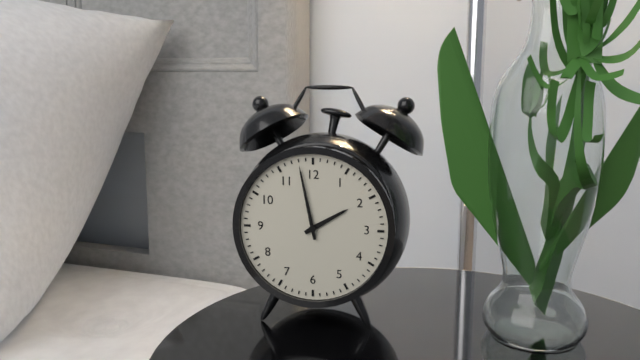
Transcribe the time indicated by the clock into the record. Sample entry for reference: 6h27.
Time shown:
1h58
